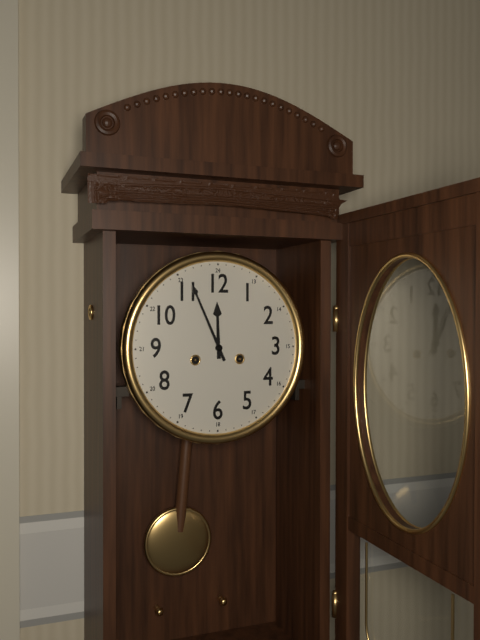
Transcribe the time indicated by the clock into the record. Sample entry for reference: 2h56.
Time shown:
11h56
